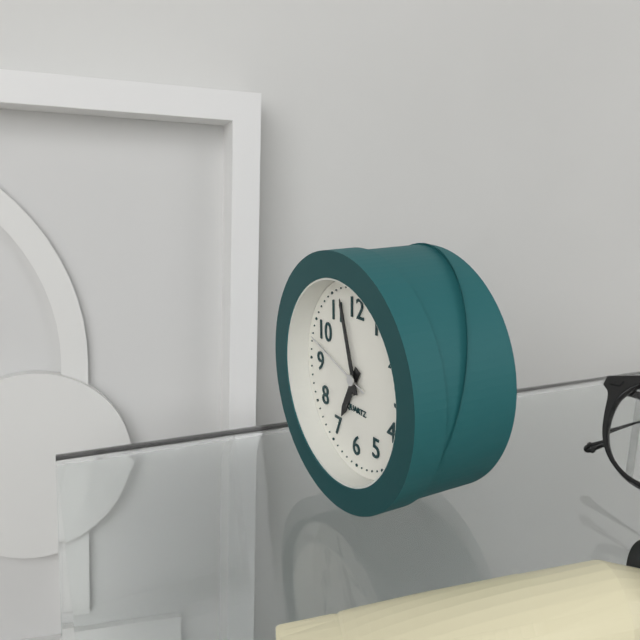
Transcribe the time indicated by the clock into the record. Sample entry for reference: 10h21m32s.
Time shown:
6h57m48s
